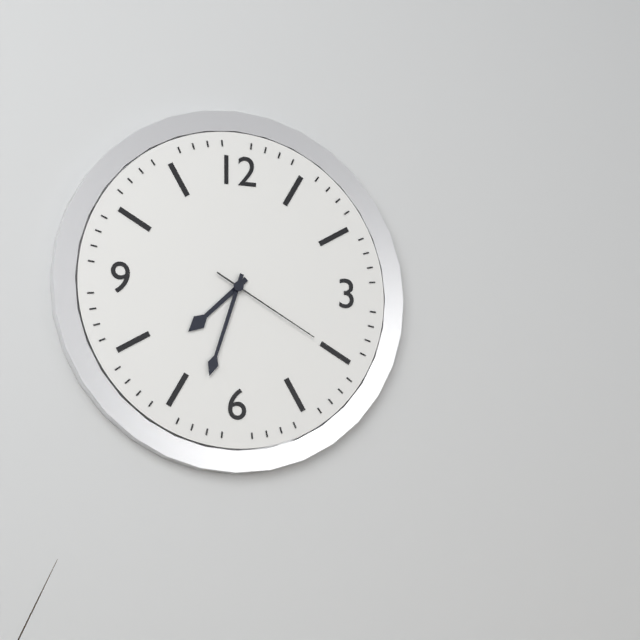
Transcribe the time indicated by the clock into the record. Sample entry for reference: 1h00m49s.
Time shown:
7h33m20s
